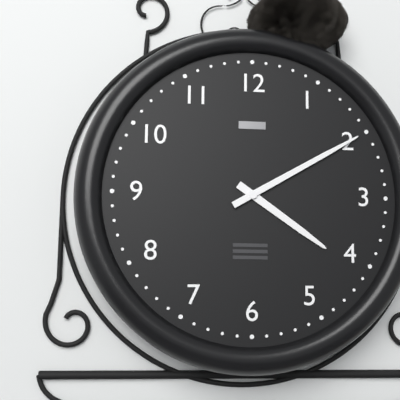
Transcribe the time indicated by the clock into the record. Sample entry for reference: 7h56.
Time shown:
4h10
